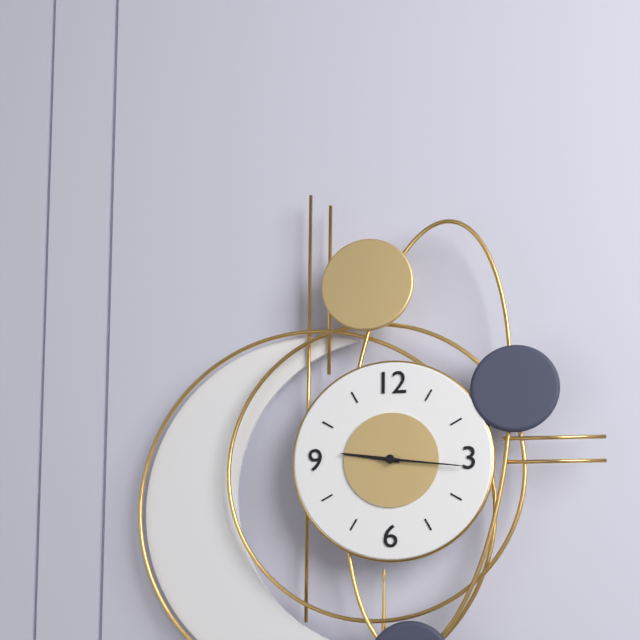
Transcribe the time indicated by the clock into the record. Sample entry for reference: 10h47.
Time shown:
9h16
